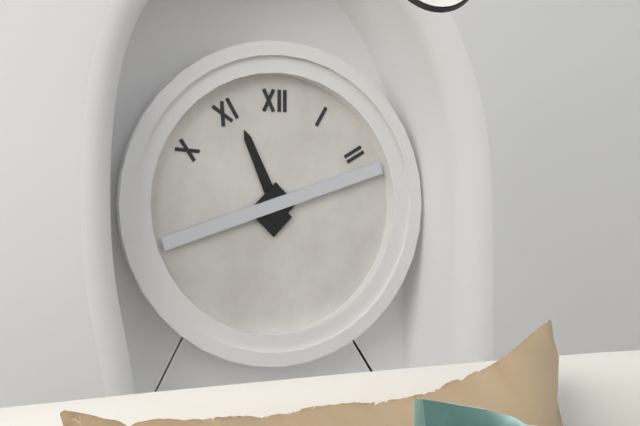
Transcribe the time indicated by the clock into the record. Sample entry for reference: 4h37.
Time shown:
11h12
